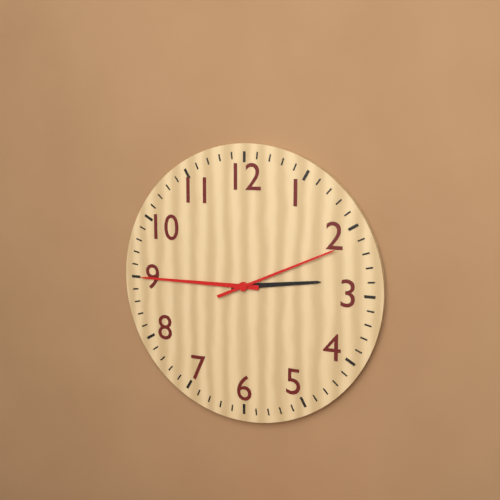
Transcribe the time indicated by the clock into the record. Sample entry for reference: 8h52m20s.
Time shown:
2h45m11s
